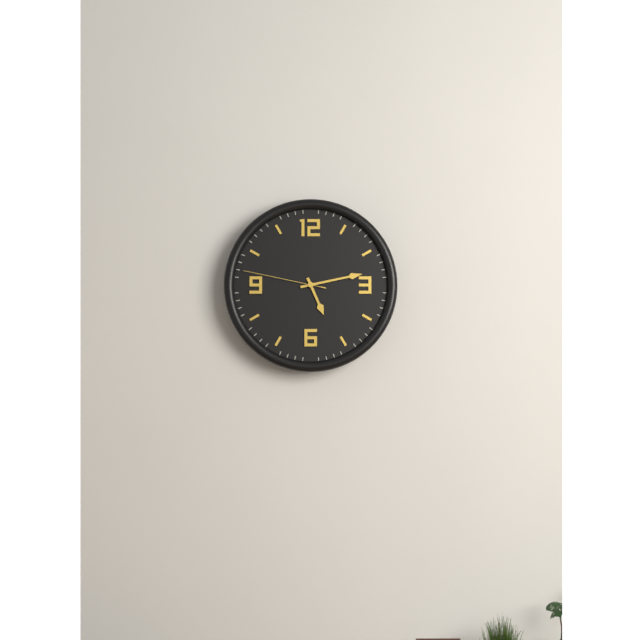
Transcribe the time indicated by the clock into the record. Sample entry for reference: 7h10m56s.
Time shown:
5h13m47s
